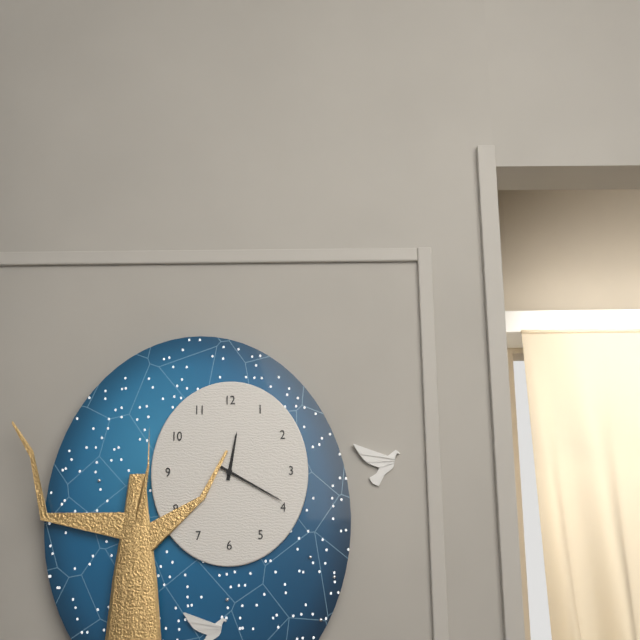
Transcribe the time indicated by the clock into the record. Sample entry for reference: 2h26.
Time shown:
12h20
